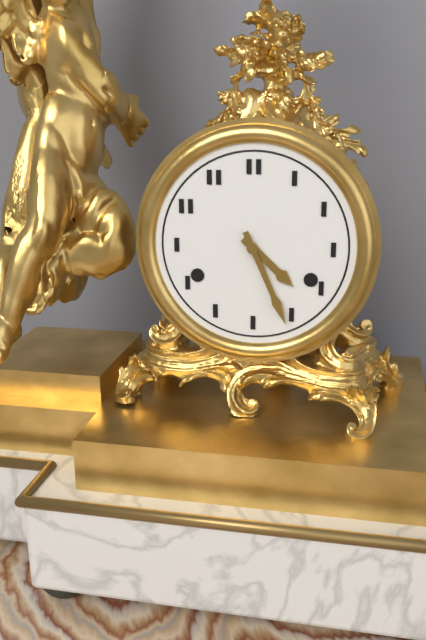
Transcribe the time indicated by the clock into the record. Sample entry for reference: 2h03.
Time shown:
4h26
